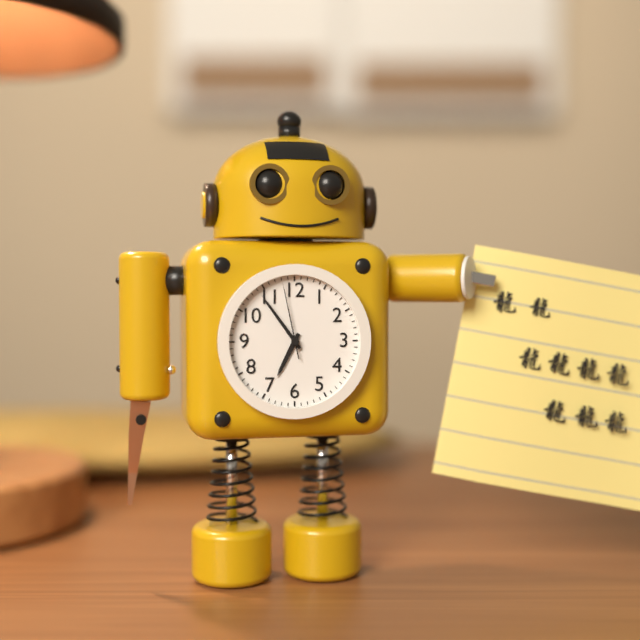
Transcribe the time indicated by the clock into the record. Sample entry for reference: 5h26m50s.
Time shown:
6h54m58s
